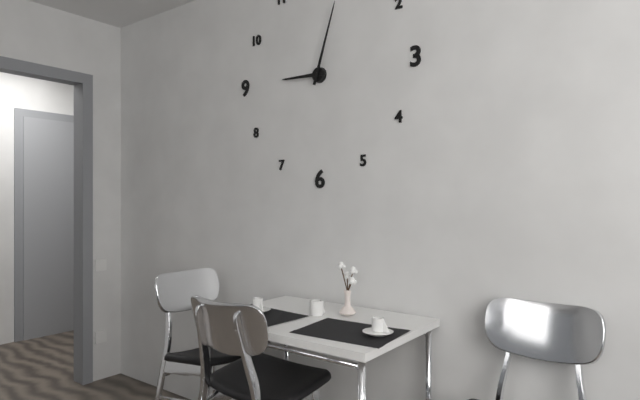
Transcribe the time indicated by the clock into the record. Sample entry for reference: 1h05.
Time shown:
9h03
